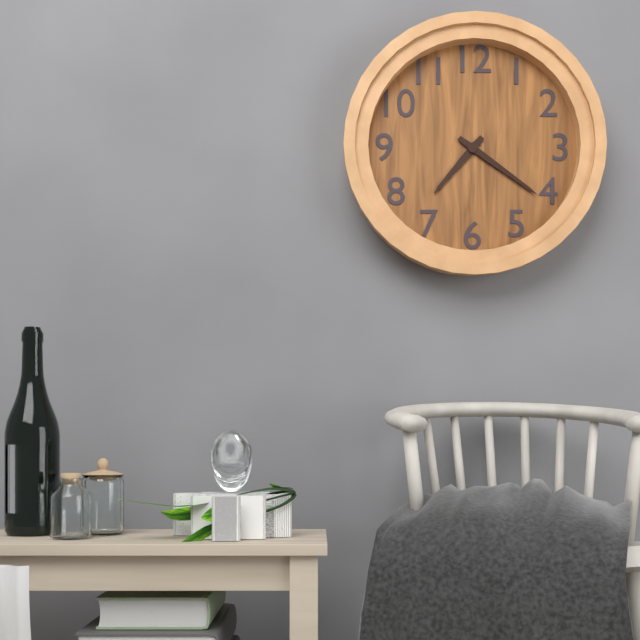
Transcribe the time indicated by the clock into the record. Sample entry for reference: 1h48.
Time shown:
7h21
